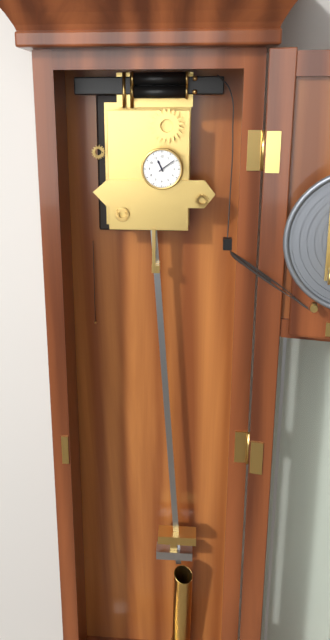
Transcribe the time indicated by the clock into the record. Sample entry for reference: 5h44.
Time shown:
11h09
